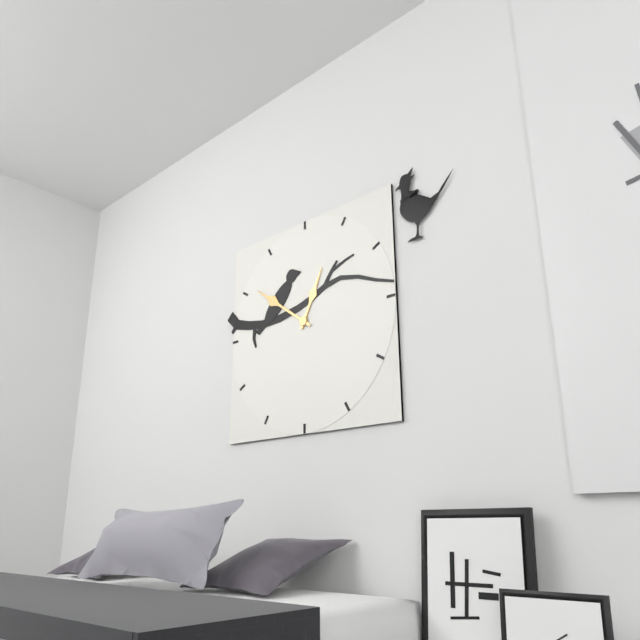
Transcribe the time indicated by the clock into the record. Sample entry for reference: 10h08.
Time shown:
12h51
